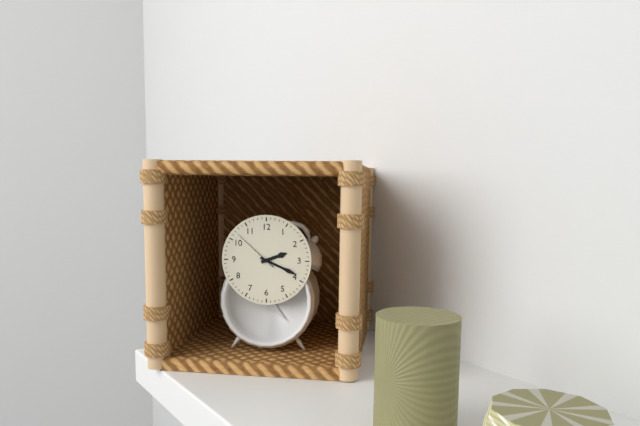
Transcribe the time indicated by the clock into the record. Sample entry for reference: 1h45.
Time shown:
2h19
